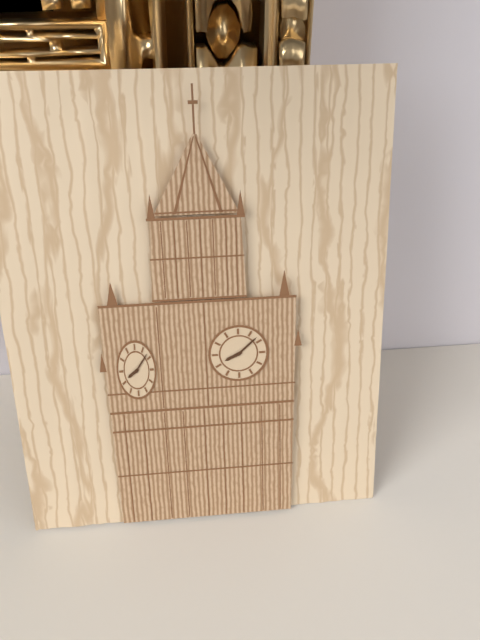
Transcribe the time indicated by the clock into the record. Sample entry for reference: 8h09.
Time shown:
8h08
